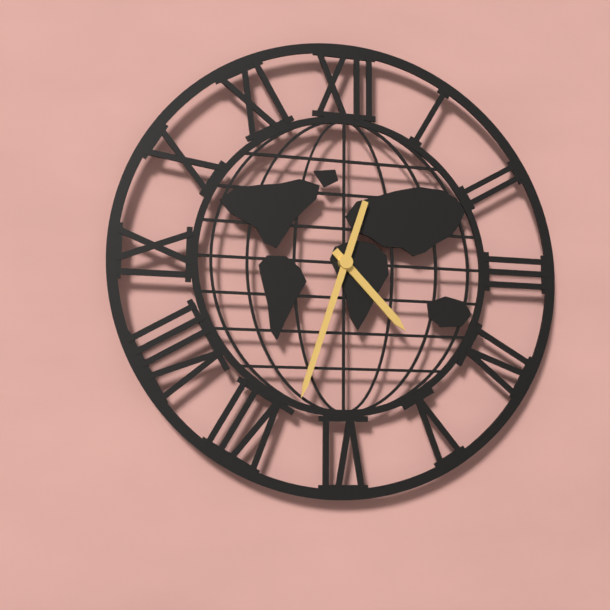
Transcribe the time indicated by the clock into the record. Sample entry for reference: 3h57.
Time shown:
4h33
